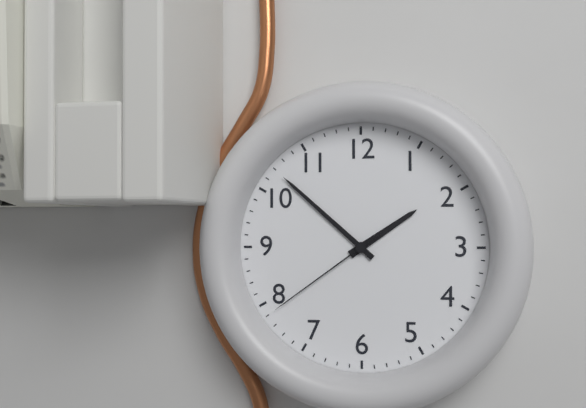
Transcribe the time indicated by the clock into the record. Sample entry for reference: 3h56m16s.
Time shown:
1h52m39s
